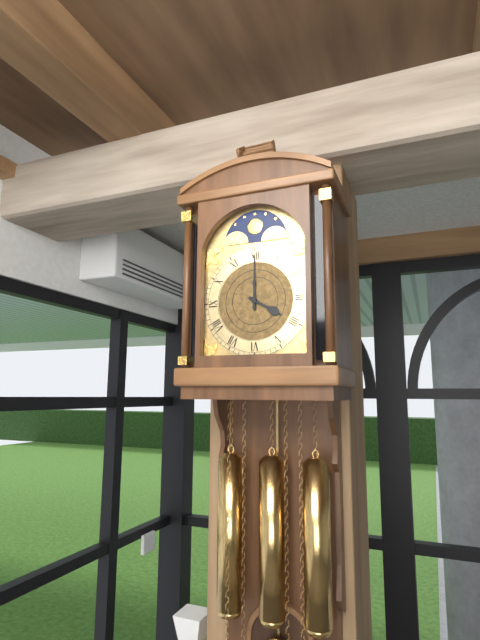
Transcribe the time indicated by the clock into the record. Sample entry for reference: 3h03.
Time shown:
4h00
